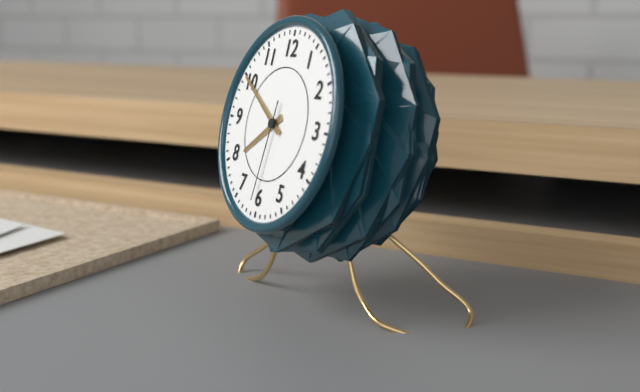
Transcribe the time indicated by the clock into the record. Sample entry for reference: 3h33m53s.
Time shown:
7h50m31s
